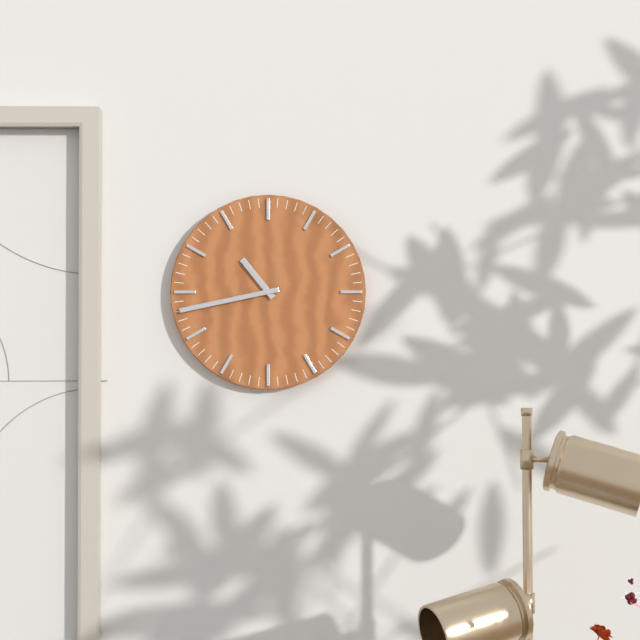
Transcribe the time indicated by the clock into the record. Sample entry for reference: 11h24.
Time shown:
10h43
